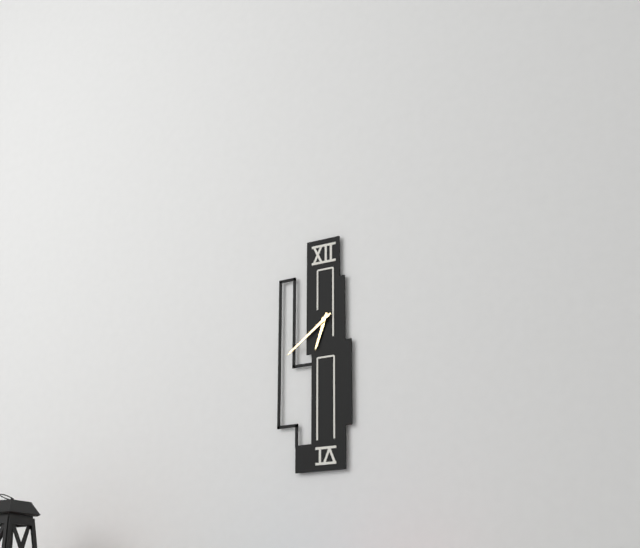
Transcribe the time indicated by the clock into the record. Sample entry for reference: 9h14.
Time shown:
6h39
